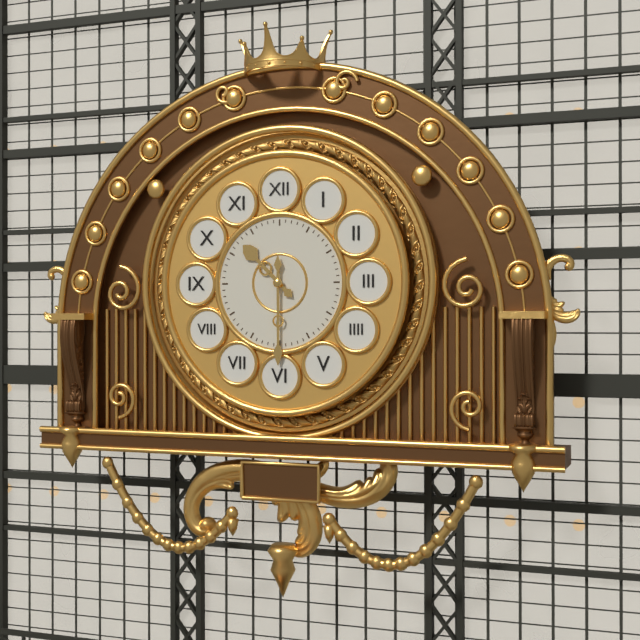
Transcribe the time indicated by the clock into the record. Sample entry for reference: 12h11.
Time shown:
10h30
